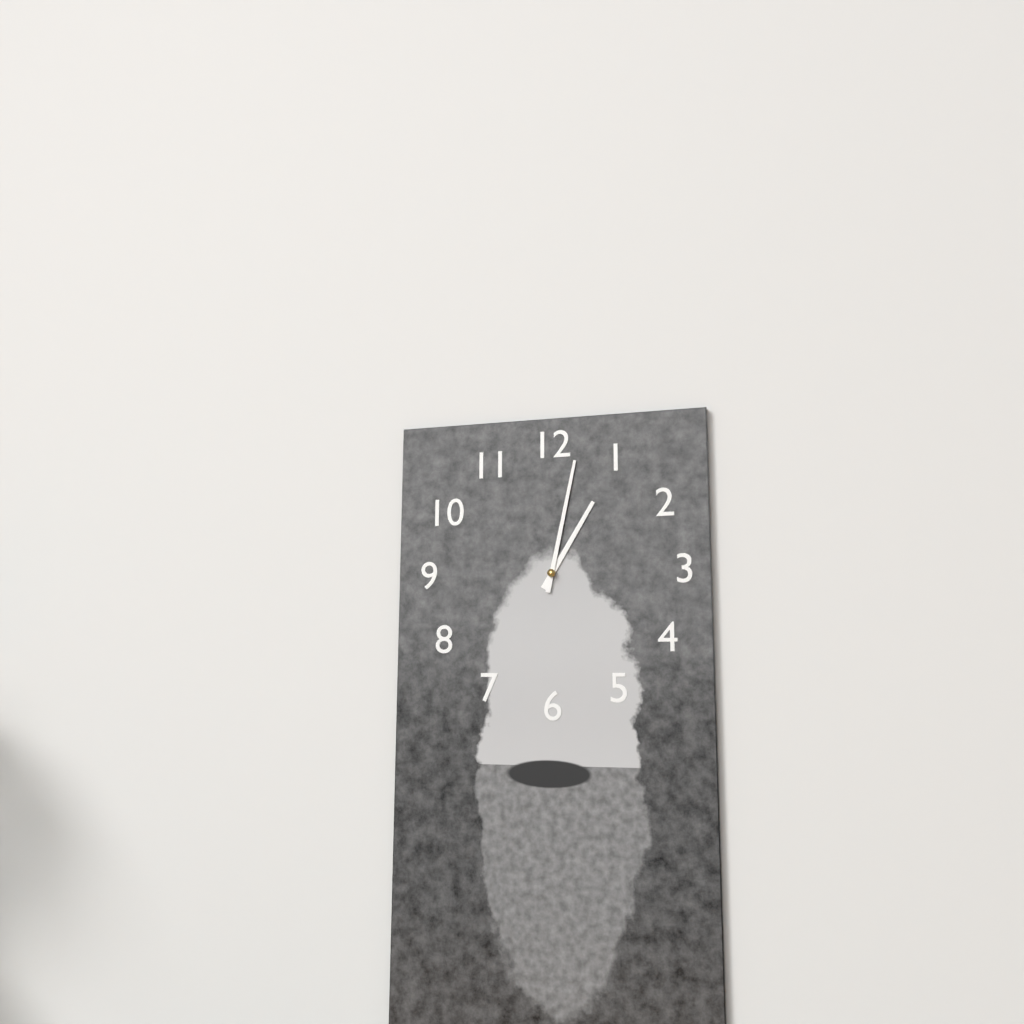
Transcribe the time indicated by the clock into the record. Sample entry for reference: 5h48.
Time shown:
1h02
